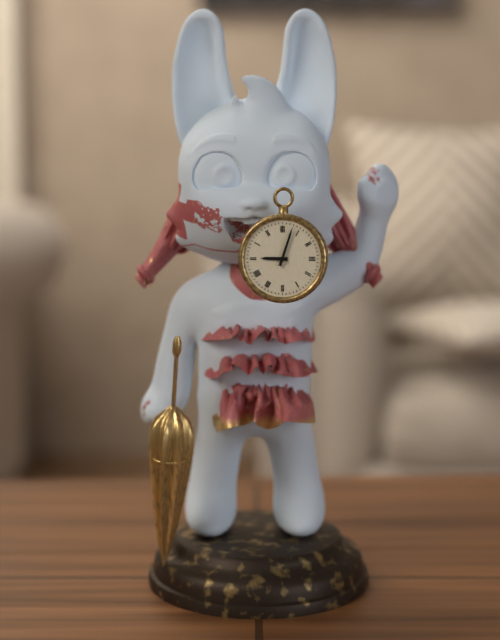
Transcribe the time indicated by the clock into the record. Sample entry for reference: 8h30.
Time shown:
9h03
